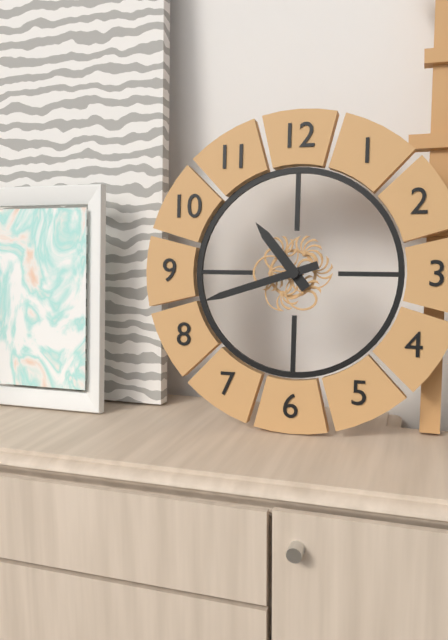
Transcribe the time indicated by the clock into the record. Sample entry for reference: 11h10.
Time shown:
10h42
